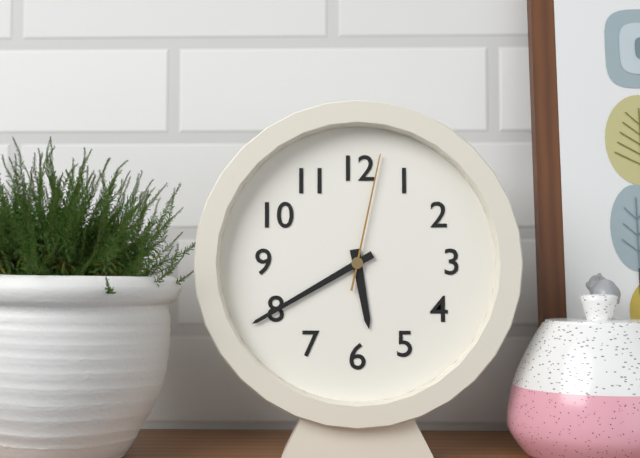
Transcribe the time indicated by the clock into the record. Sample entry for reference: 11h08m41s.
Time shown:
5h40m02s
